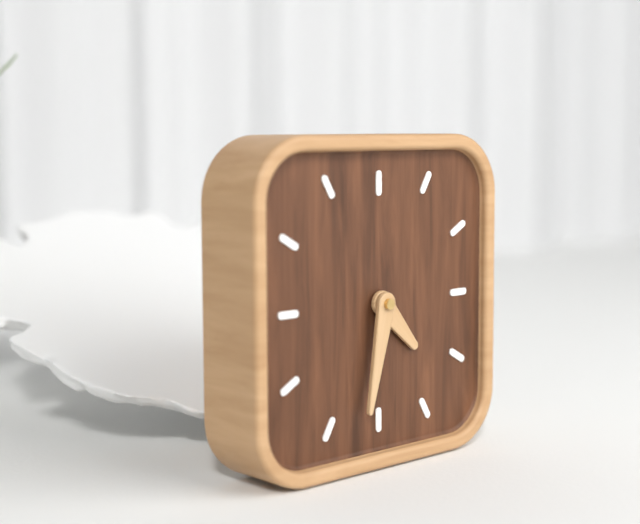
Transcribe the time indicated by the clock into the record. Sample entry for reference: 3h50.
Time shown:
4h32
